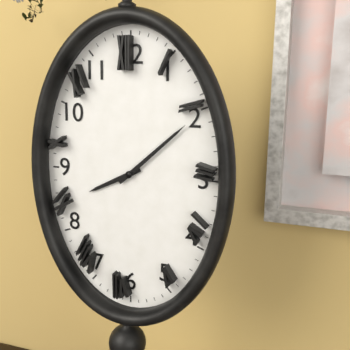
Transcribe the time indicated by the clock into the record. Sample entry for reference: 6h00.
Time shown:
8h08
